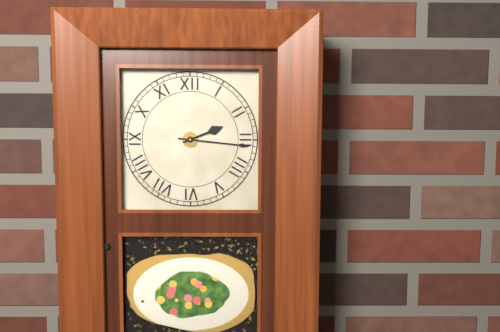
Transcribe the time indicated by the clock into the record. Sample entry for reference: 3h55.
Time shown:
2h16
